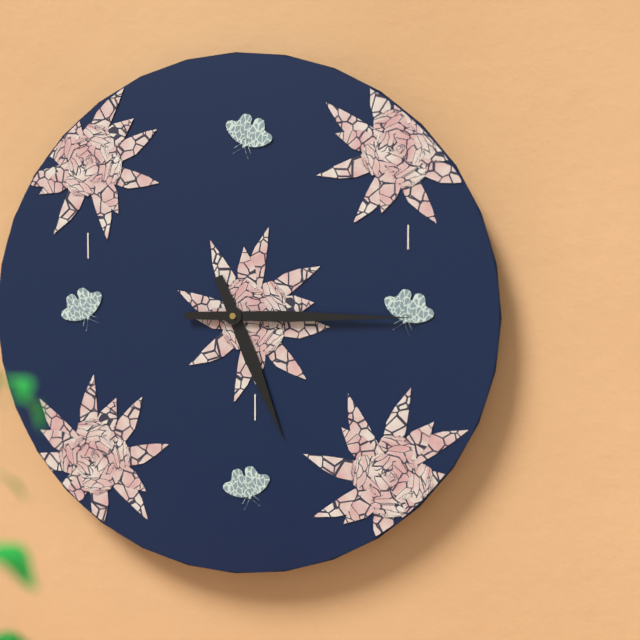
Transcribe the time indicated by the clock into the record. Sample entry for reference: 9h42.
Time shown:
5h15
